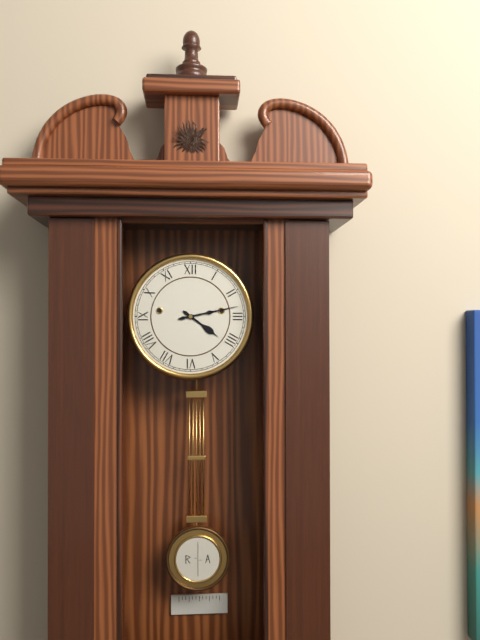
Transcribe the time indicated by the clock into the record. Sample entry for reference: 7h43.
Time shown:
4h13
